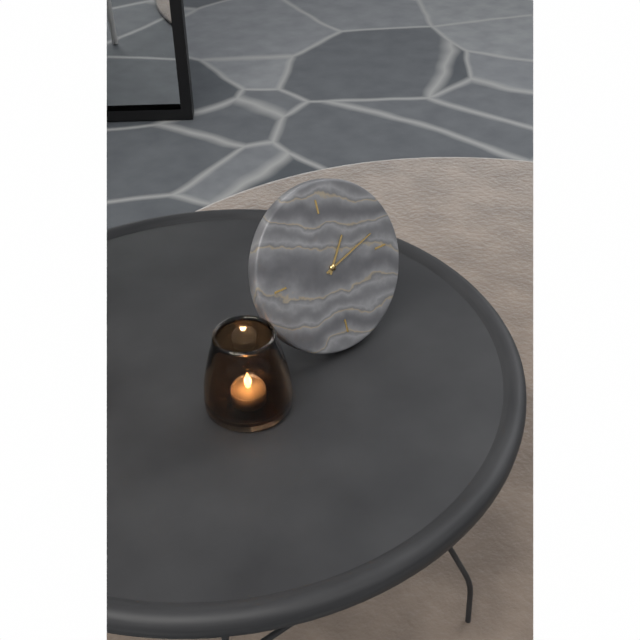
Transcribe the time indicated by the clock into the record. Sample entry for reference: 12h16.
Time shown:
1h12
